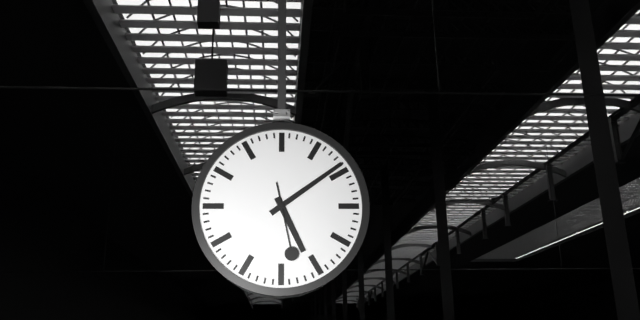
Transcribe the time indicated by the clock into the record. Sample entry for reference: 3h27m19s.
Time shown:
5h09m28s
